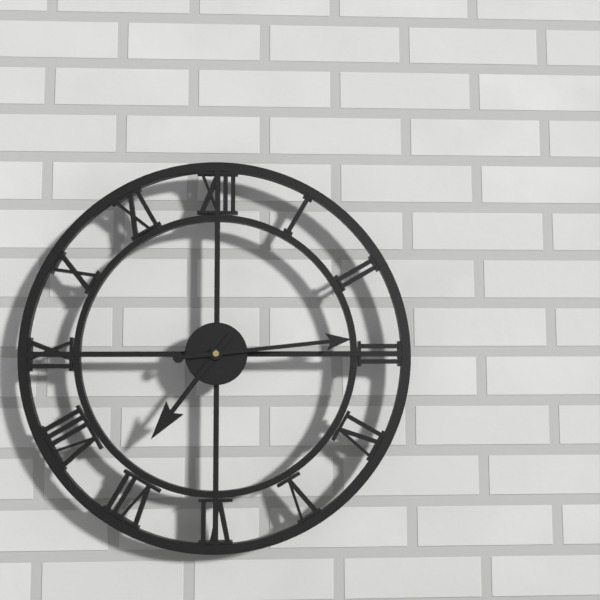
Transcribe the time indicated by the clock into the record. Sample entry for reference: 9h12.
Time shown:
7h14
